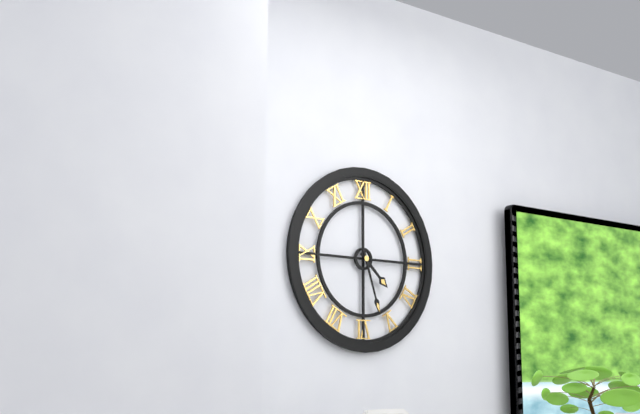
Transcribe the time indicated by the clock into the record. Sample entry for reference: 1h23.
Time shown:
4h27
